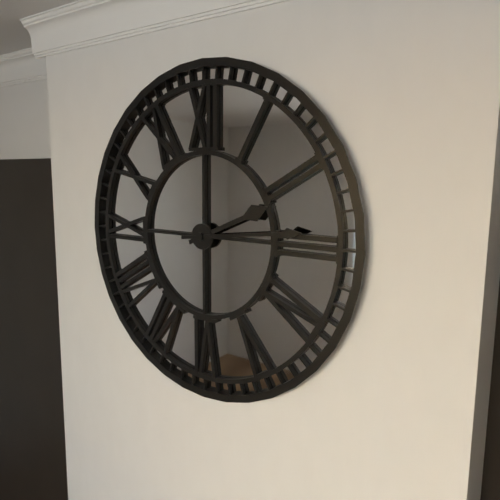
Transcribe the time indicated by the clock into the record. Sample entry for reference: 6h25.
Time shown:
2h14
